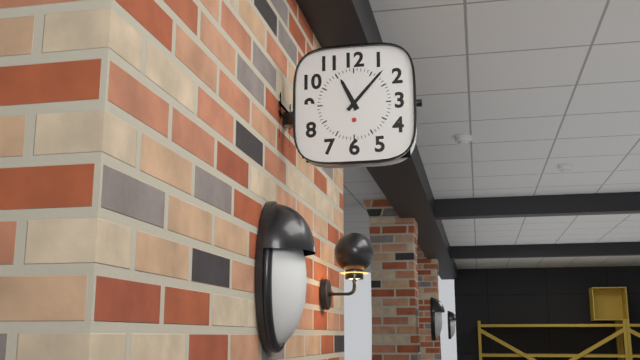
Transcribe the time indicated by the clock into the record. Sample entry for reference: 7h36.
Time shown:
11h07
